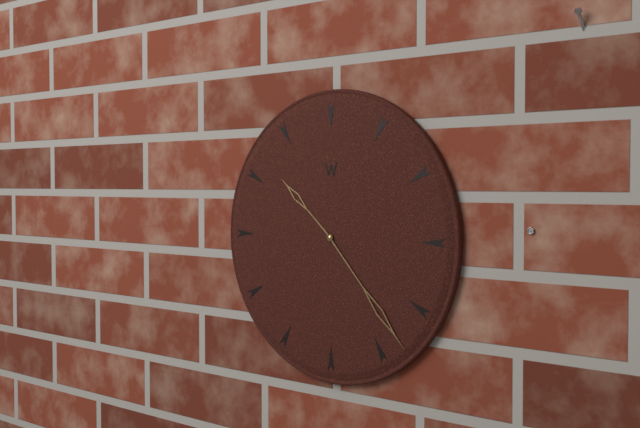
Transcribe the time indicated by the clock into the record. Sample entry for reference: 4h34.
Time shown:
10h23
